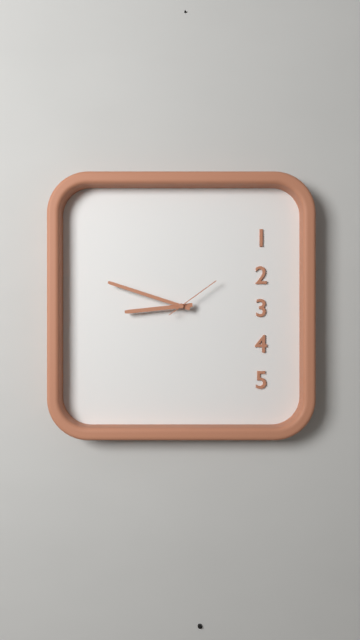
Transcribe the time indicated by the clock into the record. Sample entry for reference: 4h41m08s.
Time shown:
8h48m09s
